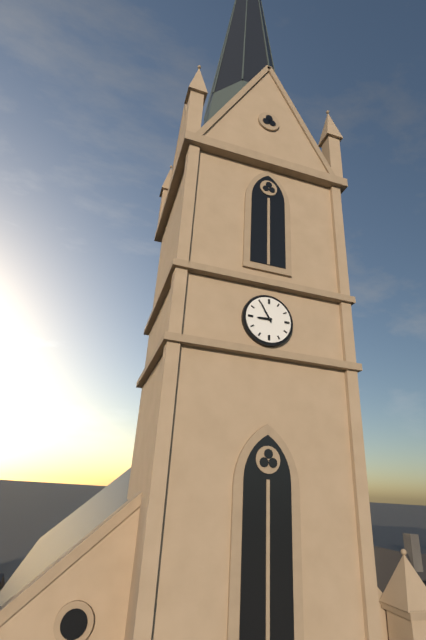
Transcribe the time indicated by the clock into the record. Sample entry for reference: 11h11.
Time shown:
8h55
